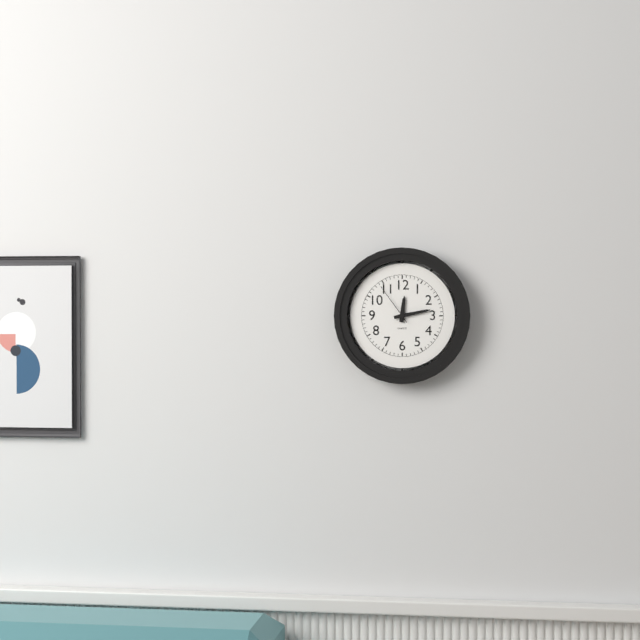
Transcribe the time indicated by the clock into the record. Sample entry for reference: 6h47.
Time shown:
12h13
